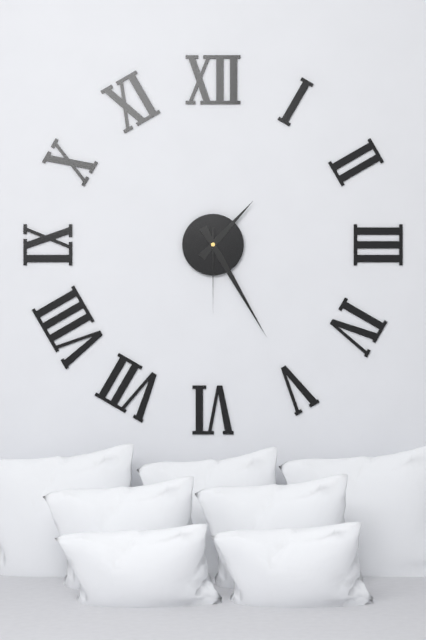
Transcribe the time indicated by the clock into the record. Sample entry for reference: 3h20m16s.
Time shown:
1h25m30s
